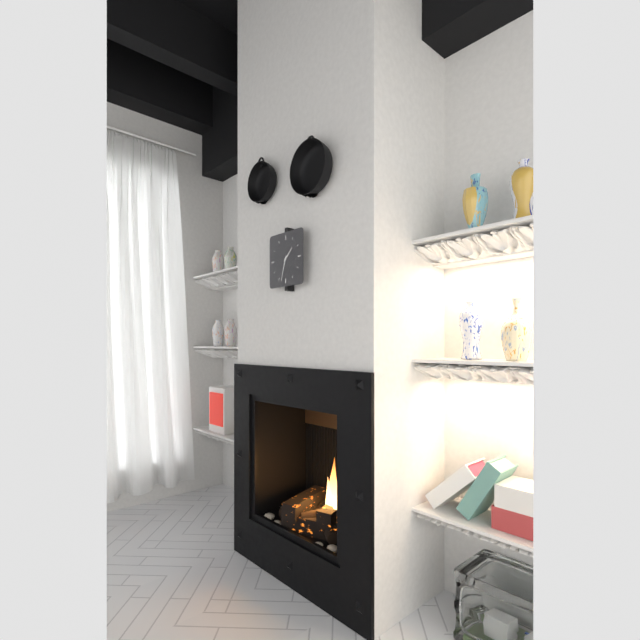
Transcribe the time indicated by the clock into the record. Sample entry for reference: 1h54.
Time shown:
1h33
